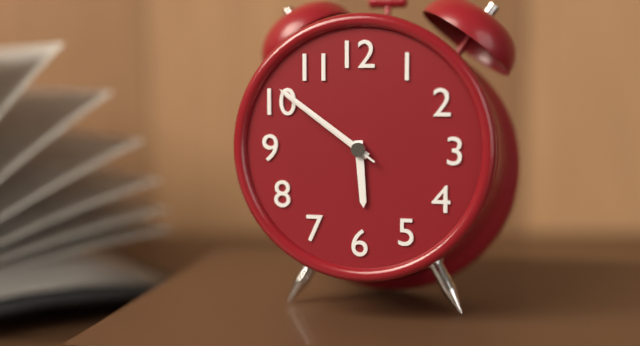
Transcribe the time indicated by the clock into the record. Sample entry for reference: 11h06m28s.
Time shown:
5h51m51s
